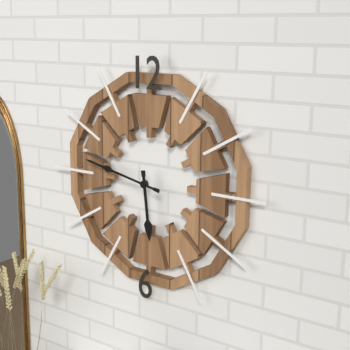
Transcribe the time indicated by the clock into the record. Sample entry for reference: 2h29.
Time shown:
5h47
